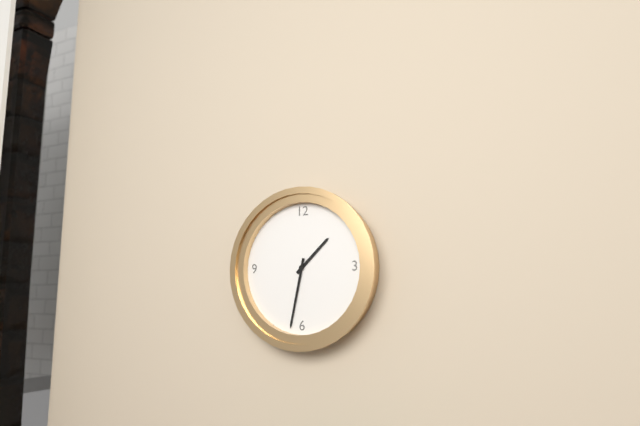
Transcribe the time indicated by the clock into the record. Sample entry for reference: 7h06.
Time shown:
1h32
